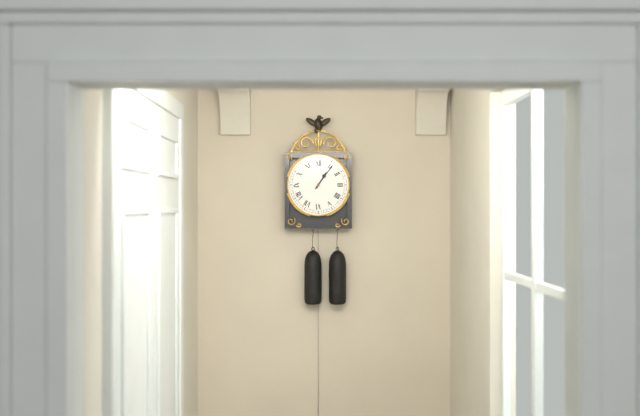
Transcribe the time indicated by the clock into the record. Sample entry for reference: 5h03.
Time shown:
1h06
